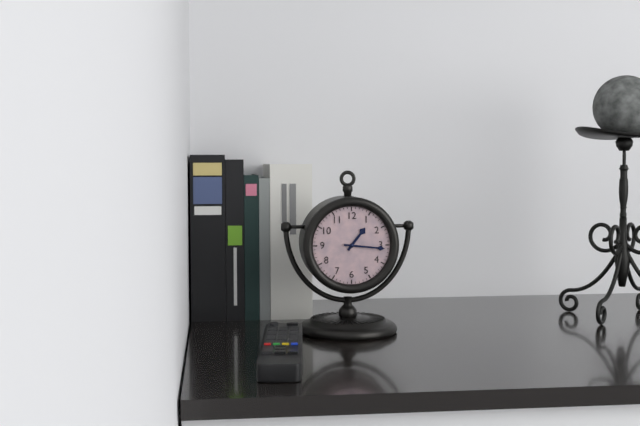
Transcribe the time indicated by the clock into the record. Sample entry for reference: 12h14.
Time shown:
1h16
